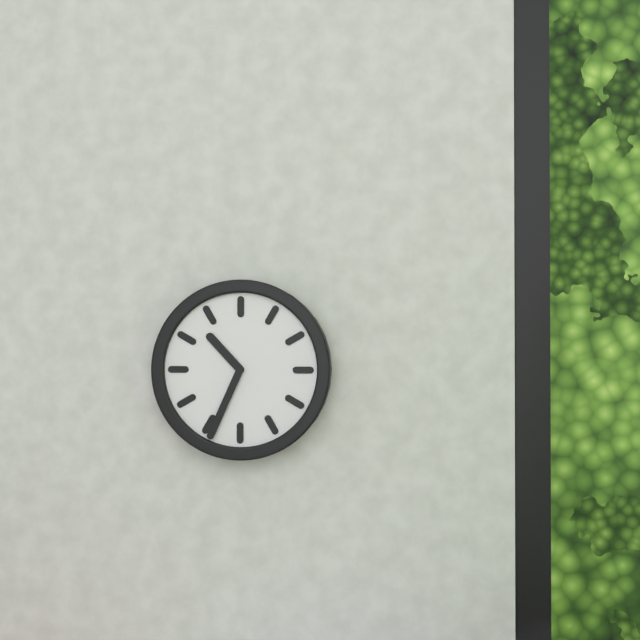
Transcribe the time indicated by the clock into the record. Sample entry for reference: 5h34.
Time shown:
10h34
